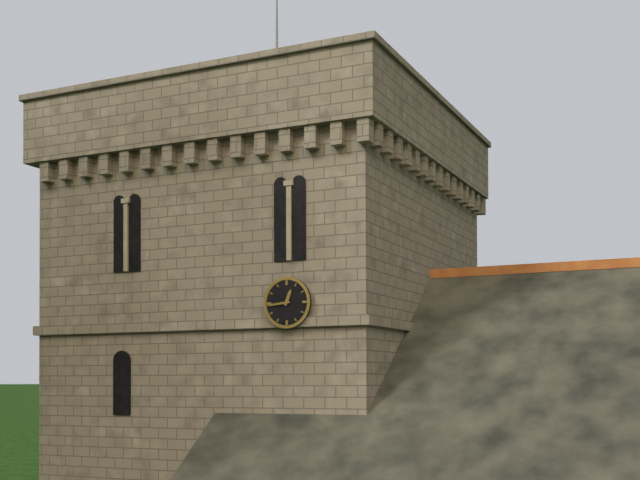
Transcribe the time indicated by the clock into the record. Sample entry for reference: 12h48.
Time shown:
12h44
